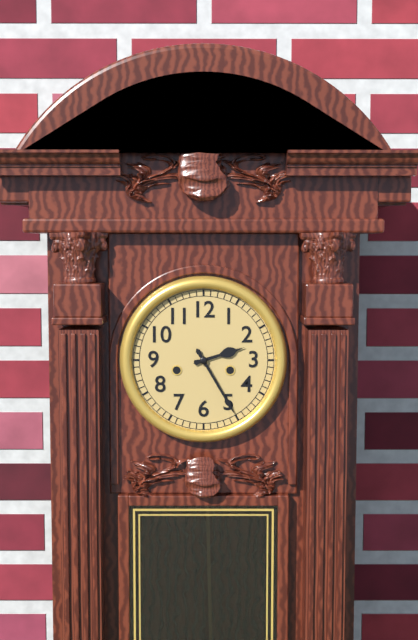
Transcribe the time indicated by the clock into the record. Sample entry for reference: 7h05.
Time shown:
2h25
